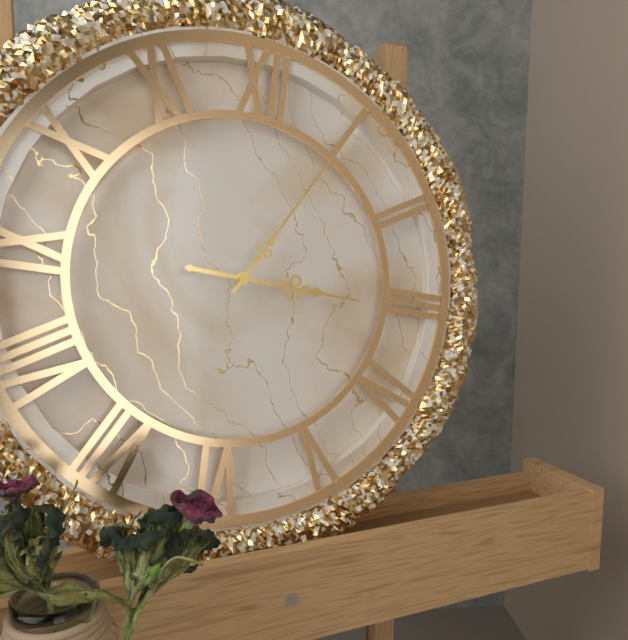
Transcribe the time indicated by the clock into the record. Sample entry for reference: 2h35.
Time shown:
3h05
